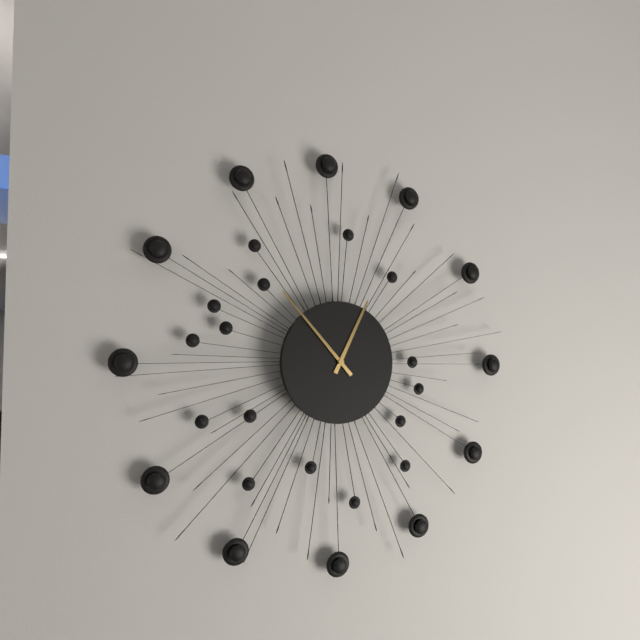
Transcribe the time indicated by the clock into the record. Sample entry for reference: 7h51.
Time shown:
12h53
